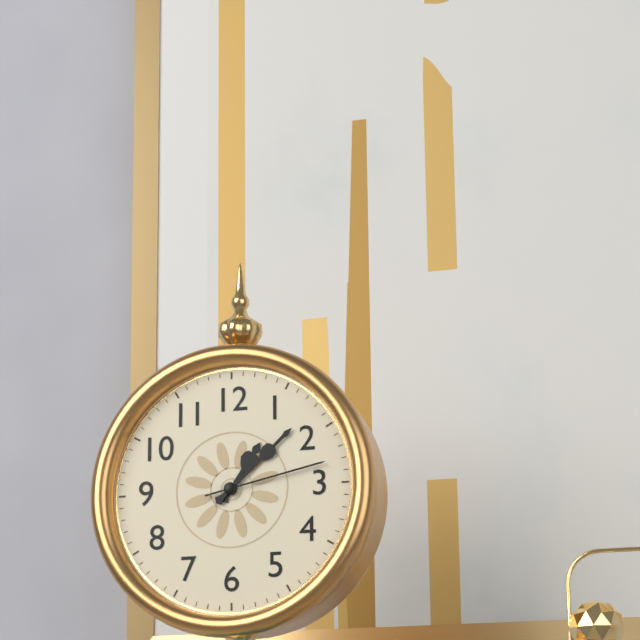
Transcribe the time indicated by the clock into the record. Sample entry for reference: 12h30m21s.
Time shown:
1h08m13s
